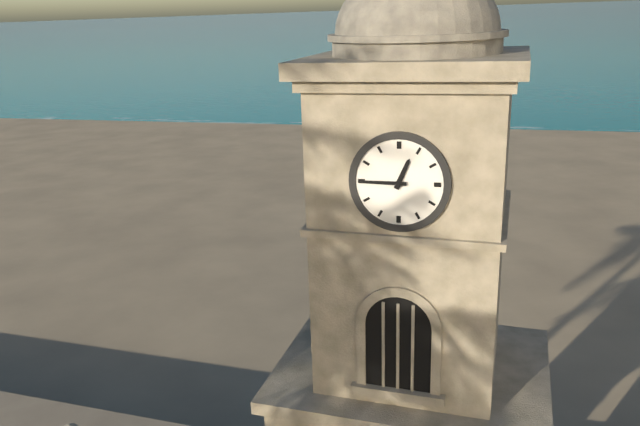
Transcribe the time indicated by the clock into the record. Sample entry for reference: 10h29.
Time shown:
12h45
